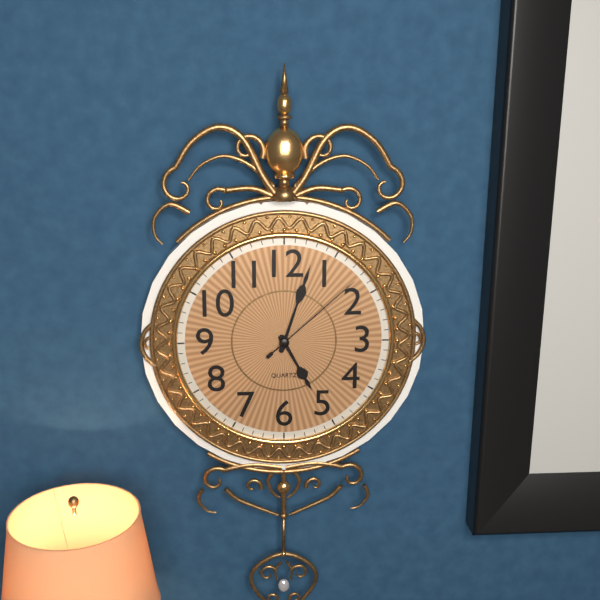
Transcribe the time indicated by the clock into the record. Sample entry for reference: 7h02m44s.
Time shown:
5h03m08s
